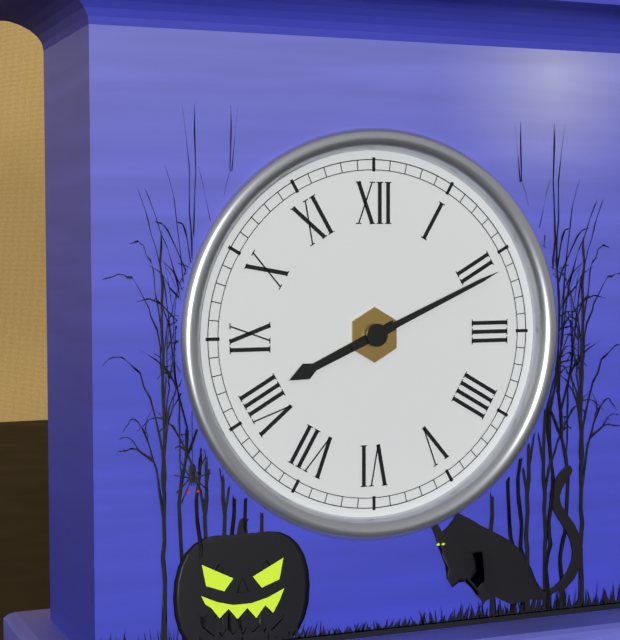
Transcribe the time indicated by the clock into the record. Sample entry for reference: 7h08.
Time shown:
8h11
